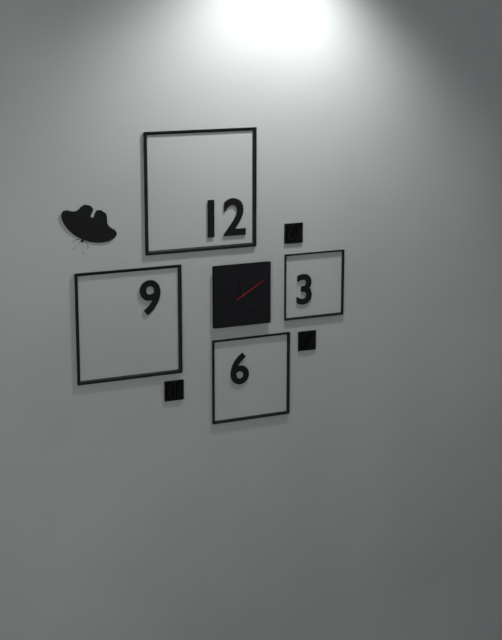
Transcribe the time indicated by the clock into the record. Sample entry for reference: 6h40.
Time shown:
4h58
